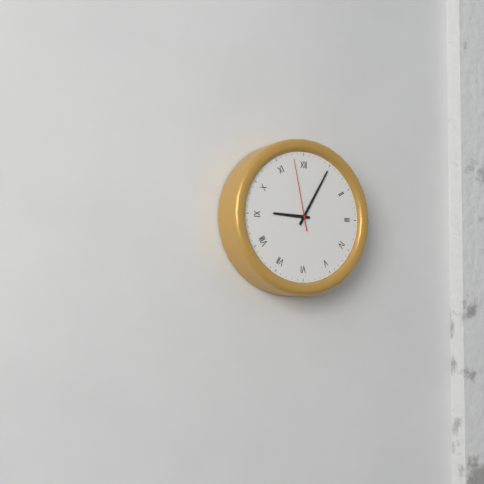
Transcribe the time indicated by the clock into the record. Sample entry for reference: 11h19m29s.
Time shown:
9h05m58s
